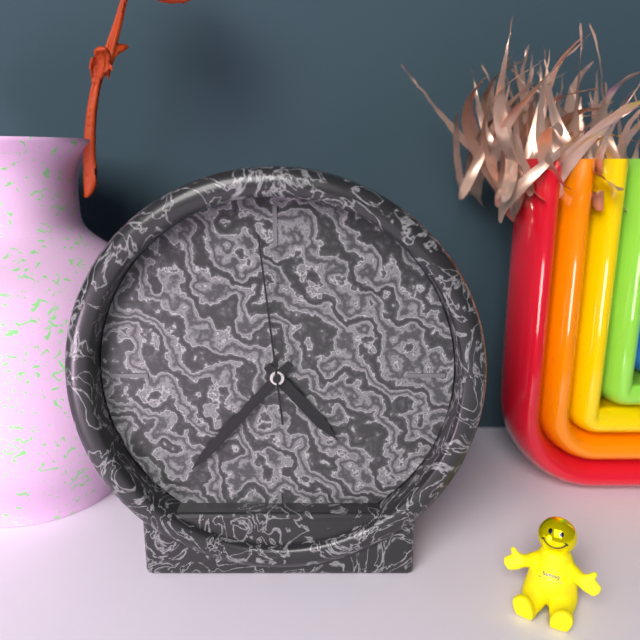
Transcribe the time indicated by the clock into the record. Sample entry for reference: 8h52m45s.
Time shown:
4h37m59s
